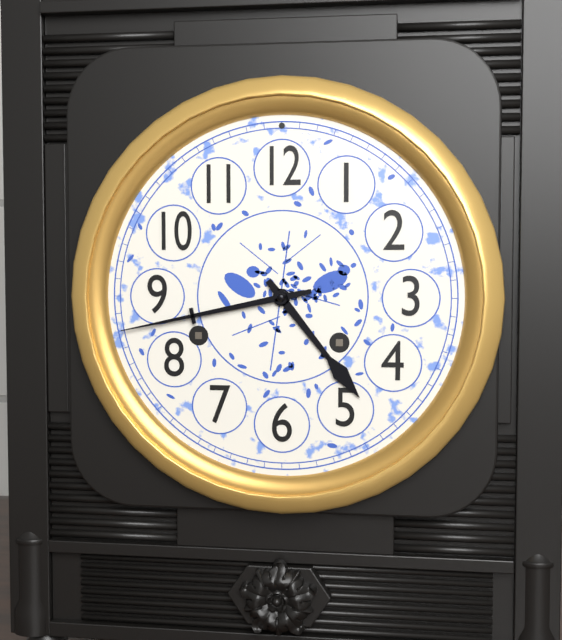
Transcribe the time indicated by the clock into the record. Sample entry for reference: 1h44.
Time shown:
4h43
